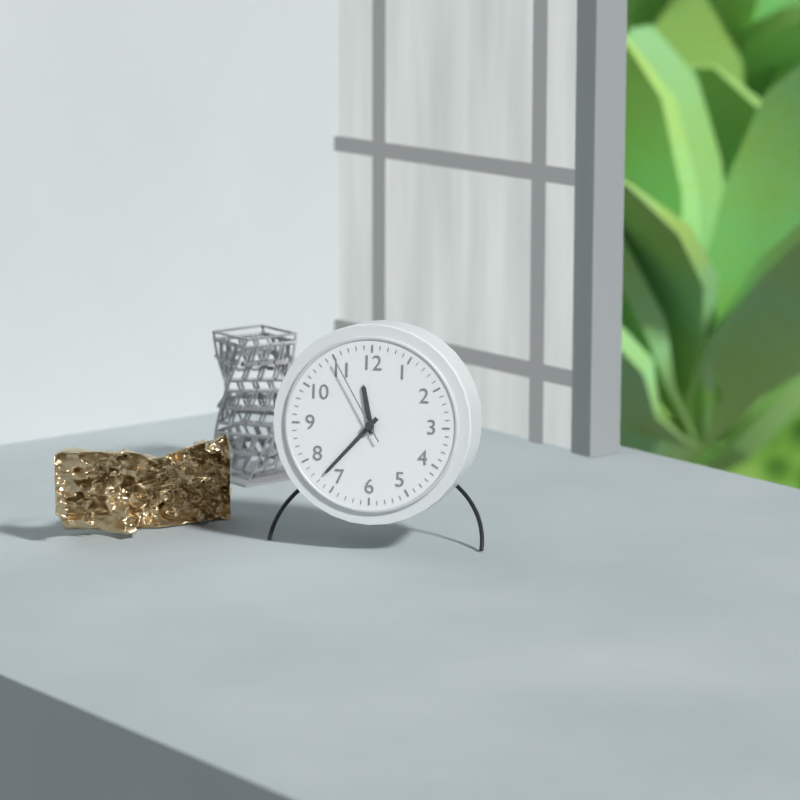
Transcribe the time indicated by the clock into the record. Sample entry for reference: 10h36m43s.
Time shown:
11h37m55s
